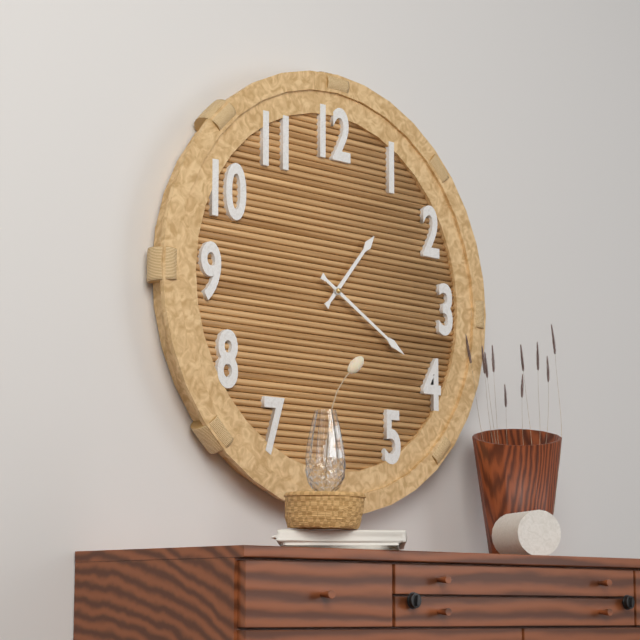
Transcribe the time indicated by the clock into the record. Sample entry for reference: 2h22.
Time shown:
1h20
